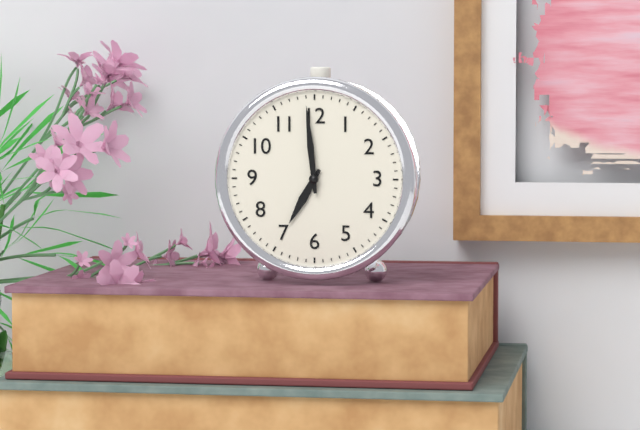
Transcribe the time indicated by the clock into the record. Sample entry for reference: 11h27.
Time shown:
6h59
